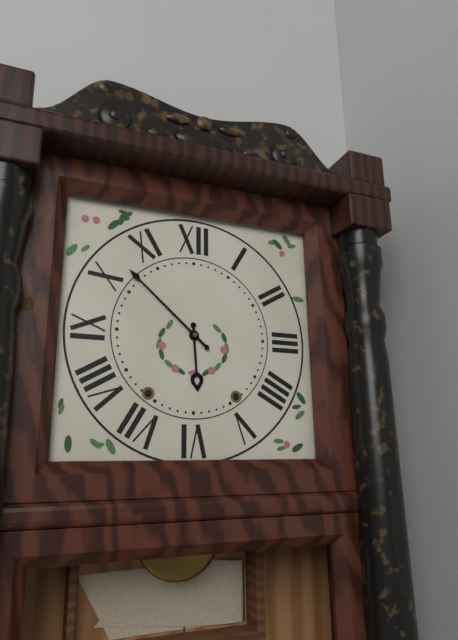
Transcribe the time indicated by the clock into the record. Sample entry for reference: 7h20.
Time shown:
5h52
